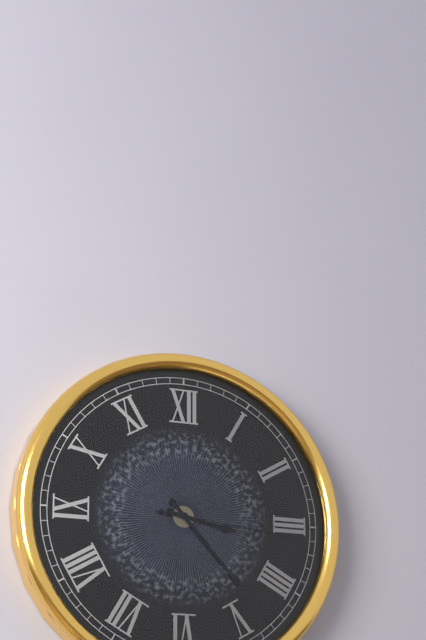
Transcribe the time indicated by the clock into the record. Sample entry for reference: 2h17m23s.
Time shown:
3h23m16s
